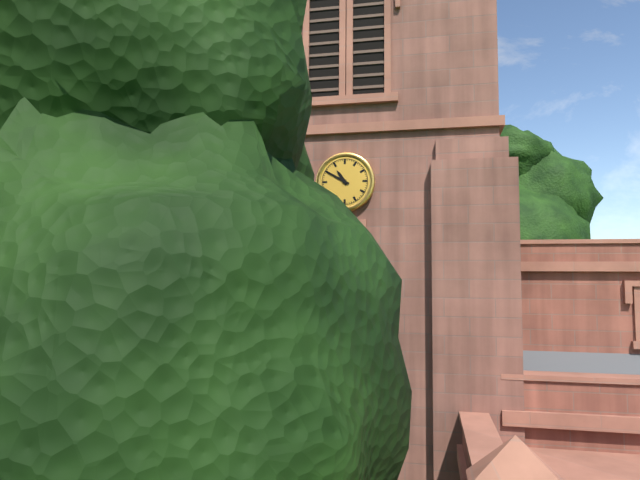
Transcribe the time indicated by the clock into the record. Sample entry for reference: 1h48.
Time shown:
10h50
